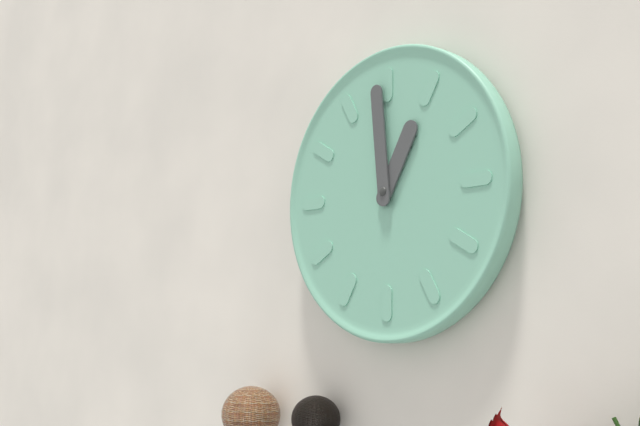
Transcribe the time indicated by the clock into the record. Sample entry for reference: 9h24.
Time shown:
12h59
